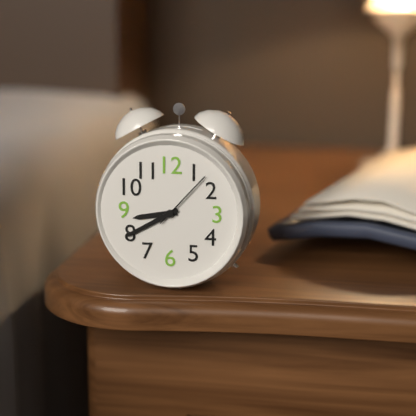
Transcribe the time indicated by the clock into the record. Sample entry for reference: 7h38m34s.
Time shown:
8h40m07s
